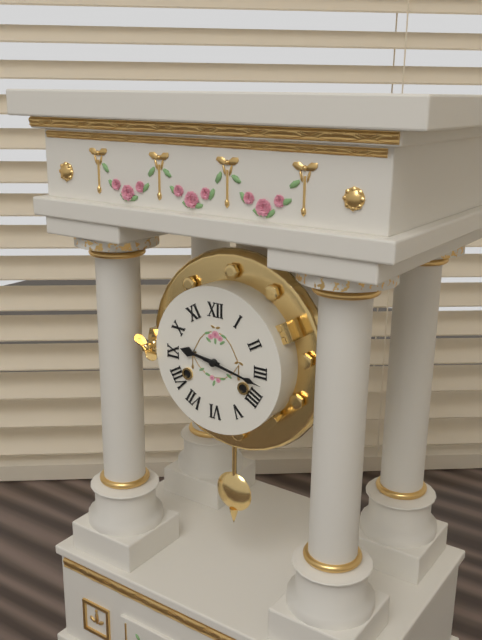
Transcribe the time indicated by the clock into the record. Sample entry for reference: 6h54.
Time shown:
9h17
